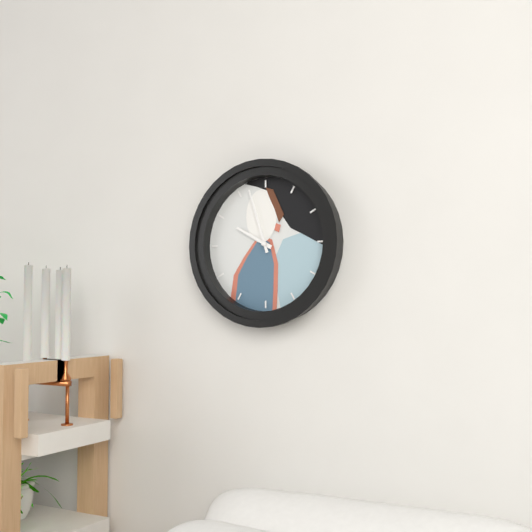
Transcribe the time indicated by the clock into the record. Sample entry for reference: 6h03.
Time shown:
9h57
